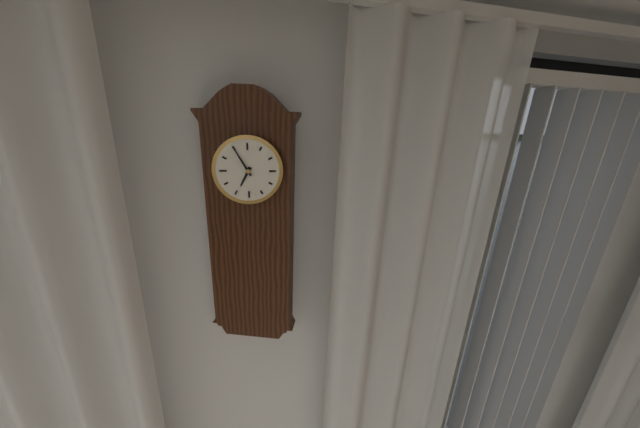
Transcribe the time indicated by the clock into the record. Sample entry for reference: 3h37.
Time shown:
6h55
